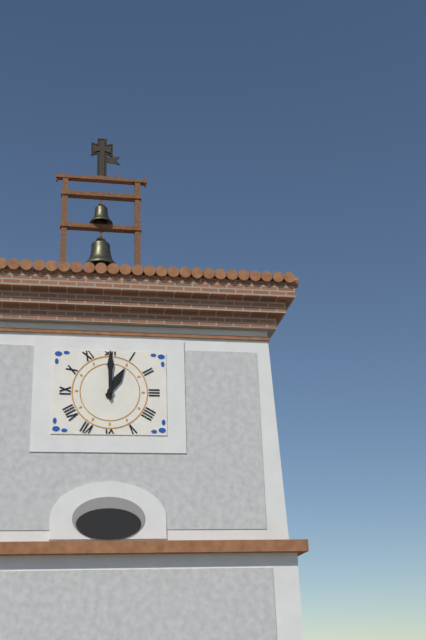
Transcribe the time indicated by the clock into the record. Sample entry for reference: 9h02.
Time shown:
1h00
